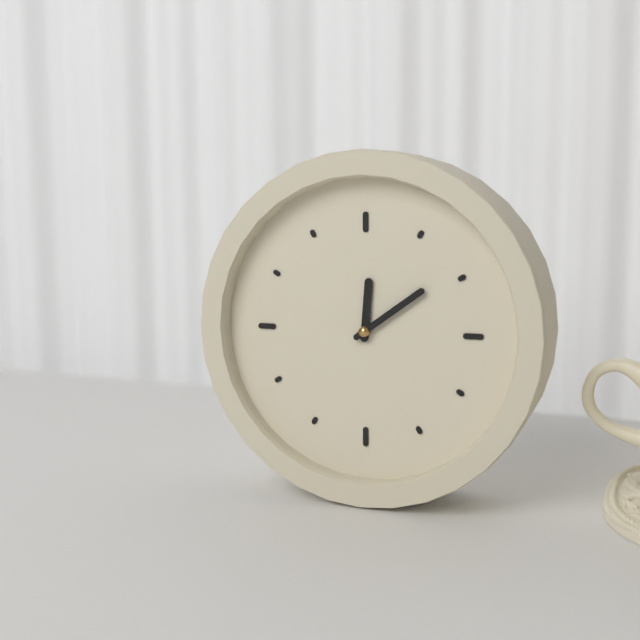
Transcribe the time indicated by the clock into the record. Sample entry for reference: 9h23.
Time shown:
12h09
